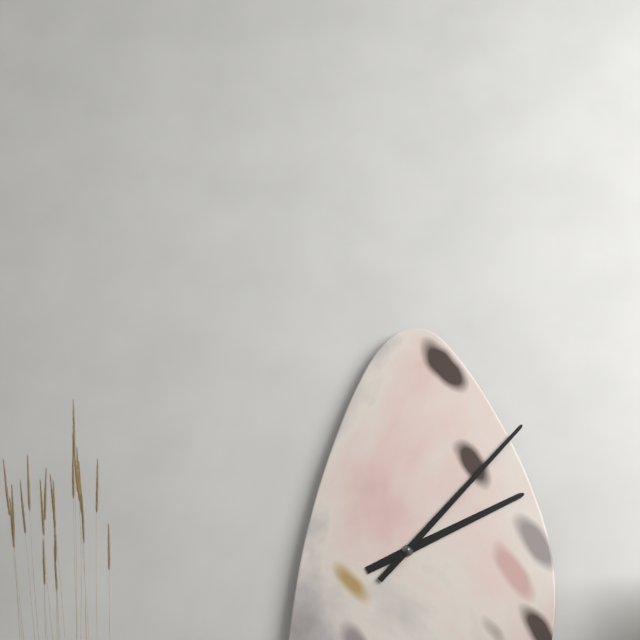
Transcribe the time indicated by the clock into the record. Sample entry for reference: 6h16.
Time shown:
2h07
